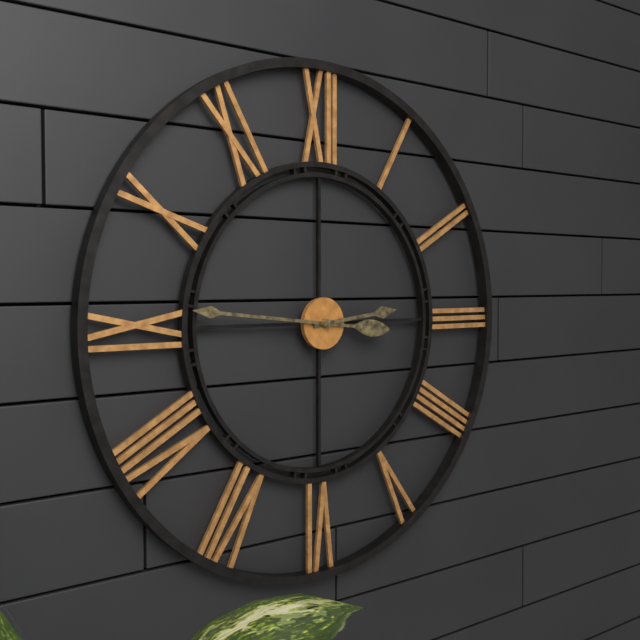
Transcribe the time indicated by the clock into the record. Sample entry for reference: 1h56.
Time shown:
2h46
